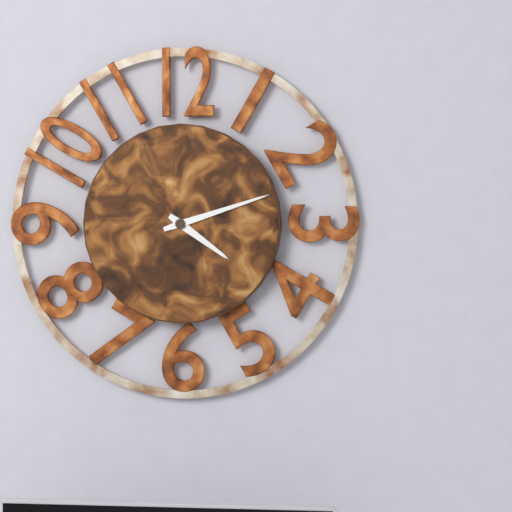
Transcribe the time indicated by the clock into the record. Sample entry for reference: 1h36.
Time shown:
4h12
